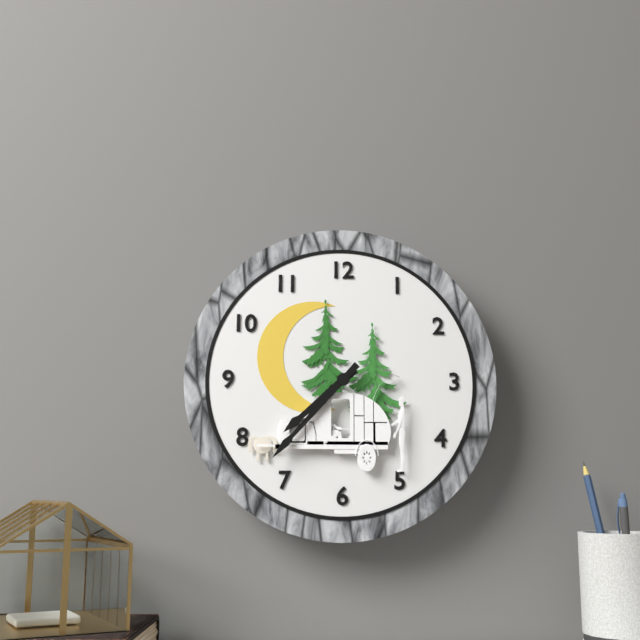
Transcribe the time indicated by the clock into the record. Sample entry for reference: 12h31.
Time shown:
7h37
